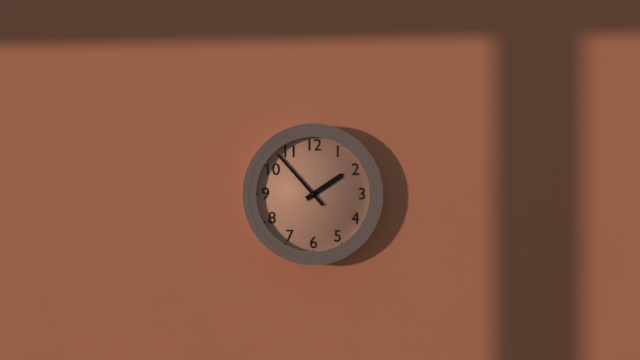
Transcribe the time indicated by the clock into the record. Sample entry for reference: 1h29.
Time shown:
1h53
